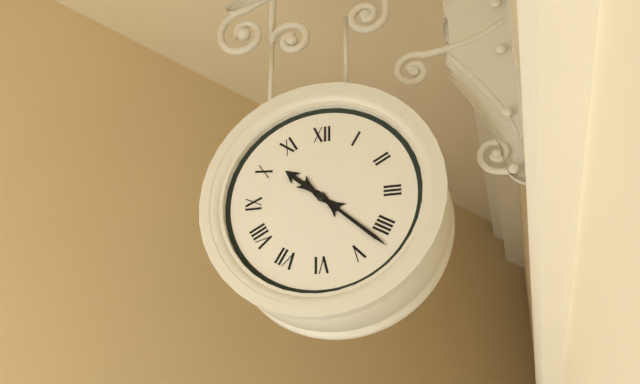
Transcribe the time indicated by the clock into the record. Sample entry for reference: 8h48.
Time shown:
10h22
